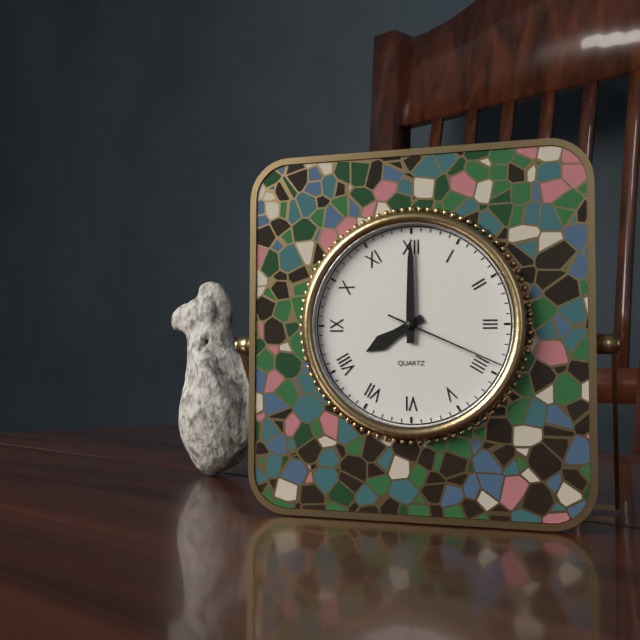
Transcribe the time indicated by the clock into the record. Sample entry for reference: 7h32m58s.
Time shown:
8h00m19s
